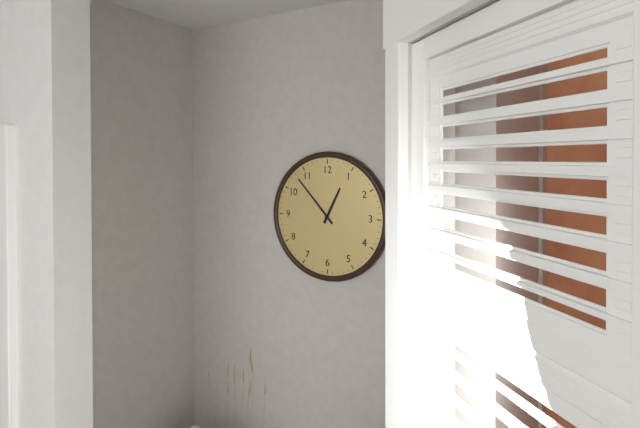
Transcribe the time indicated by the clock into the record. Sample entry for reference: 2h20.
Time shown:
12h53
